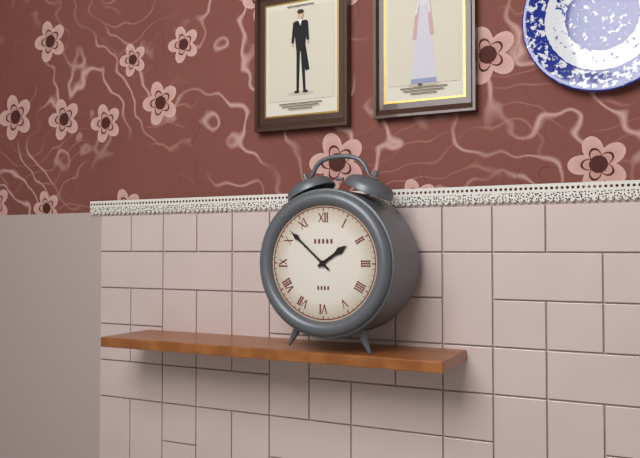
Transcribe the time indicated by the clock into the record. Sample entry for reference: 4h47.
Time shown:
1h52
